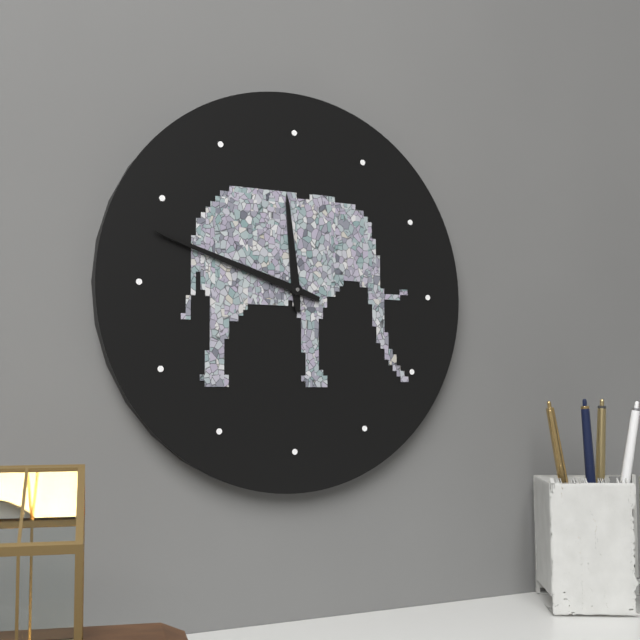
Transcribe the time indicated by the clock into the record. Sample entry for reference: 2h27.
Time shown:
11h48
